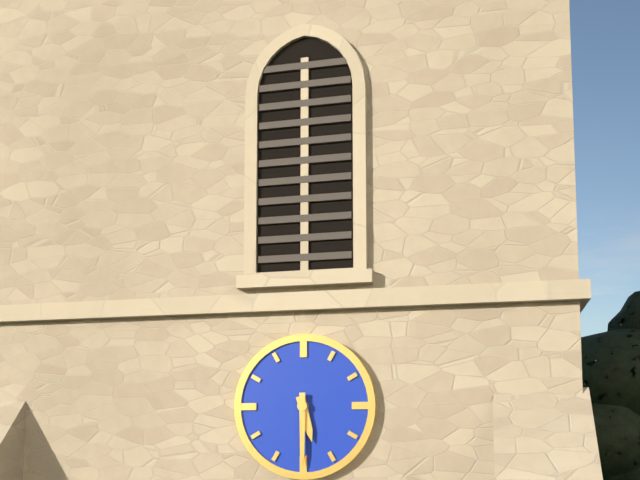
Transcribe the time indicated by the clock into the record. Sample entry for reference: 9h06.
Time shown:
5h30
